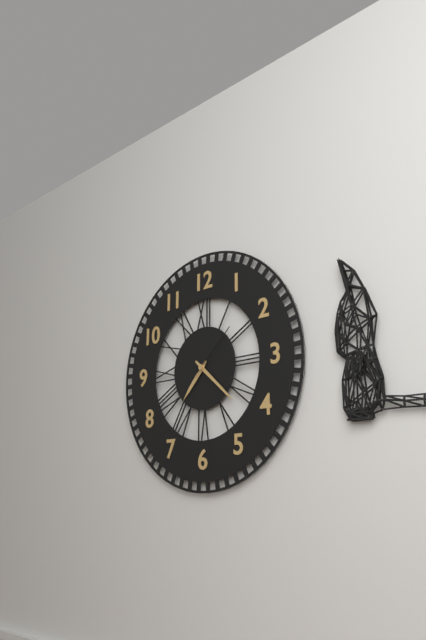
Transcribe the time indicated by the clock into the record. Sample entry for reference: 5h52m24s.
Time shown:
7h22m08s
